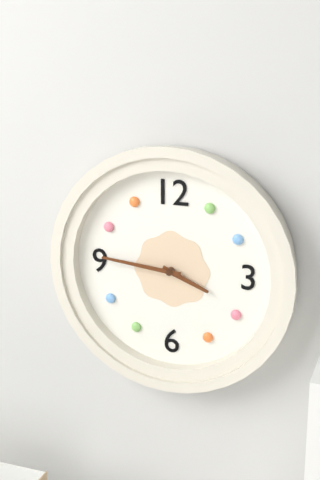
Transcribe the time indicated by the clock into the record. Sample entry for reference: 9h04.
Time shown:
3h46
